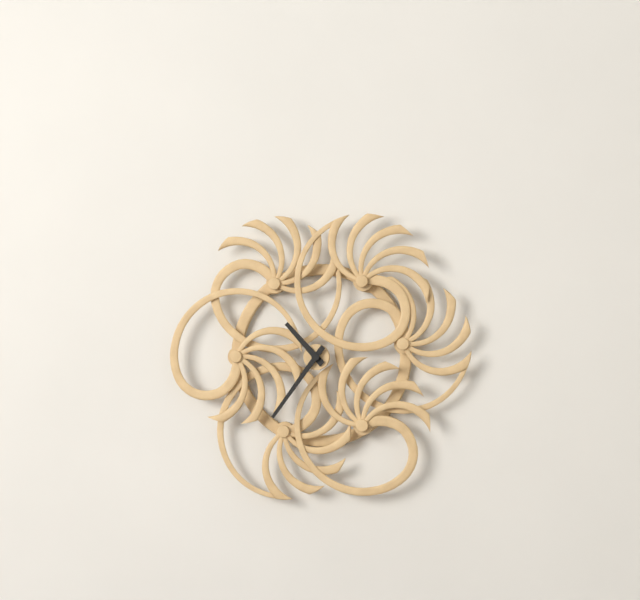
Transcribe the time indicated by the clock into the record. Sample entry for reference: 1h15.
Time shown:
10h36
